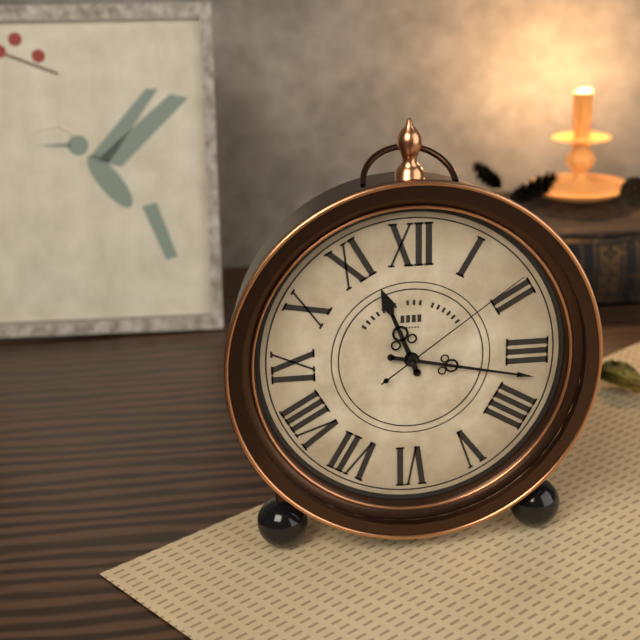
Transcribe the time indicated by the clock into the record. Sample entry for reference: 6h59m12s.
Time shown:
11h17m09s
